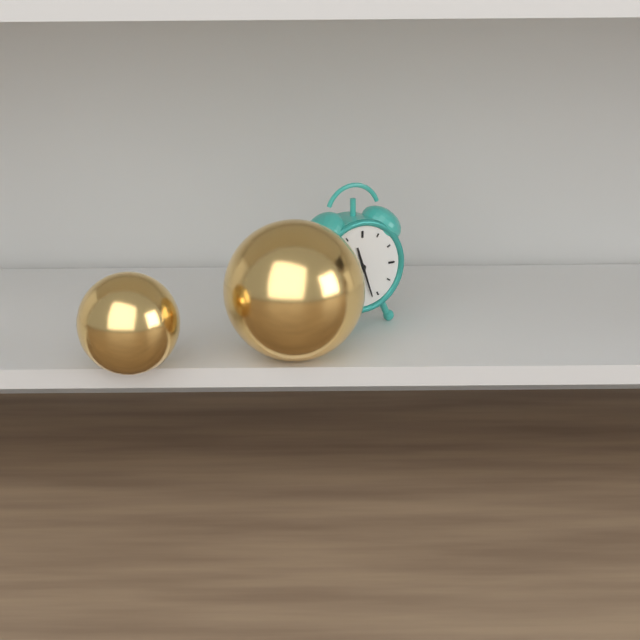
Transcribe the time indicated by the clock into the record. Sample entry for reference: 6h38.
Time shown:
11h27
